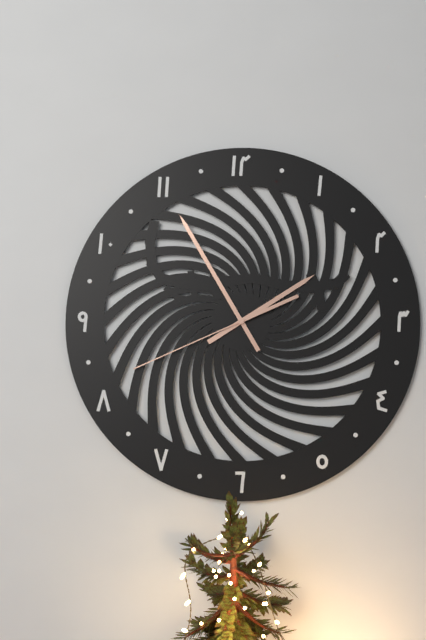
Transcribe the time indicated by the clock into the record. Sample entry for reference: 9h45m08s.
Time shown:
1h55m41s
